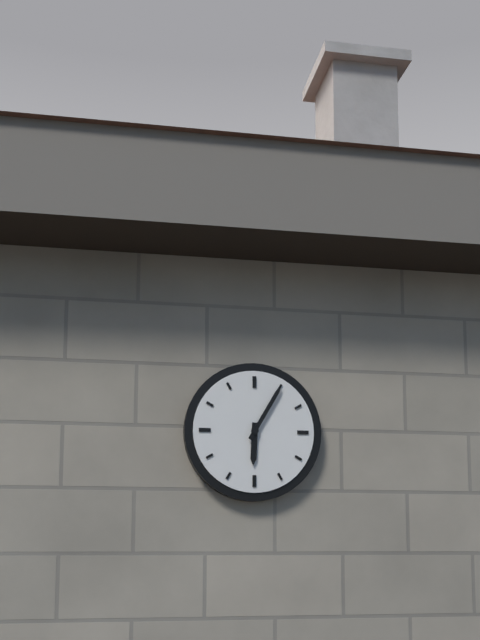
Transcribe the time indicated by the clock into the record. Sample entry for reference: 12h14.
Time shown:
6h05
